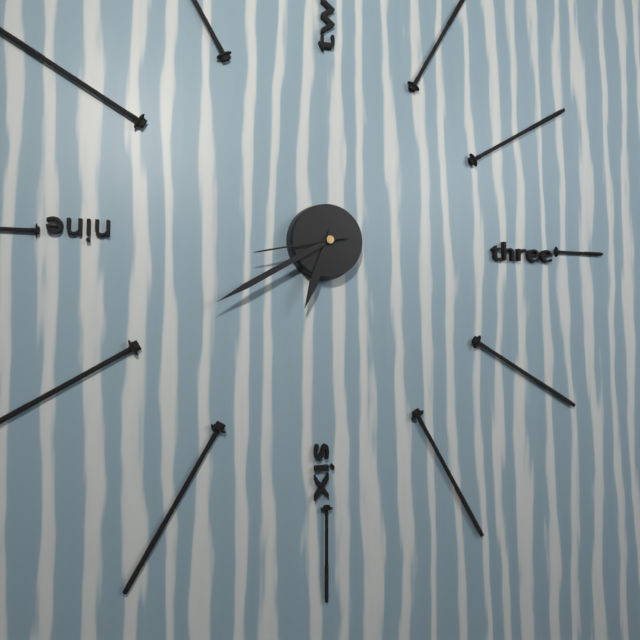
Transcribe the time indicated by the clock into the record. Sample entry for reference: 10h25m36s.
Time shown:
6h40m43s
